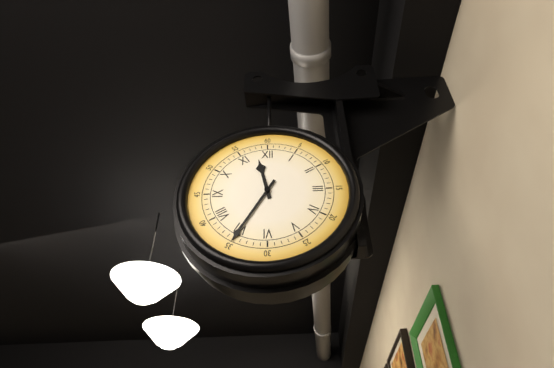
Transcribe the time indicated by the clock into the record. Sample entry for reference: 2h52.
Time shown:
11h35
